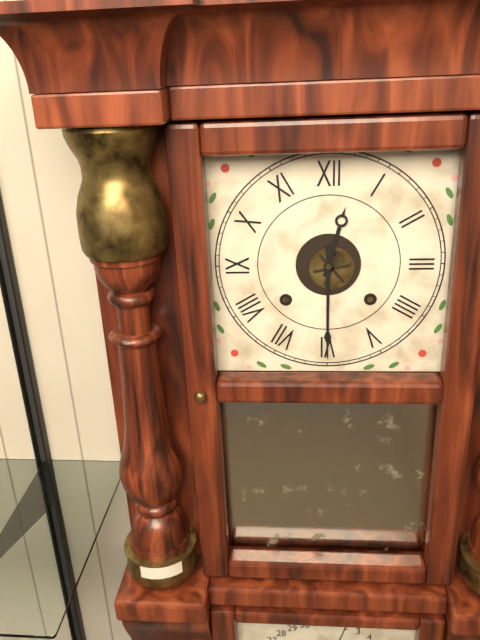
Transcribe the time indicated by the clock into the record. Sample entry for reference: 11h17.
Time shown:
12h30
